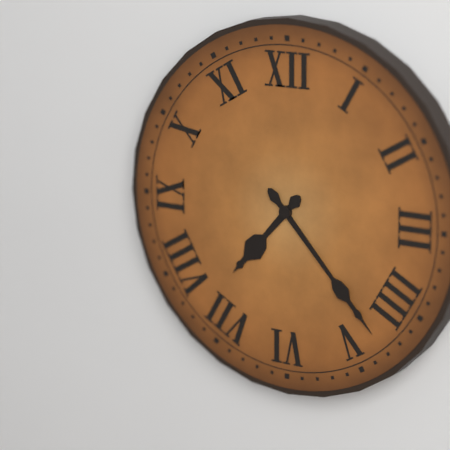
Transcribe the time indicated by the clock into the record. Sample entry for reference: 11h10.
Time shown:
7h23
